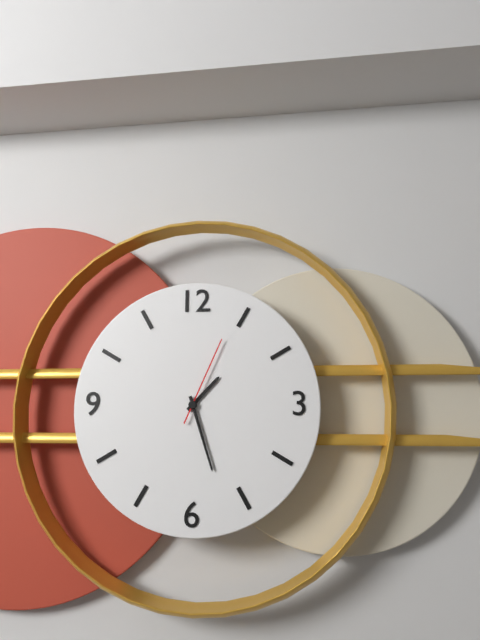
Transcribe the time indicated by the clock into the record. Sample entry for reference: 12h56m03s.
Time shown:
1h27m04s
